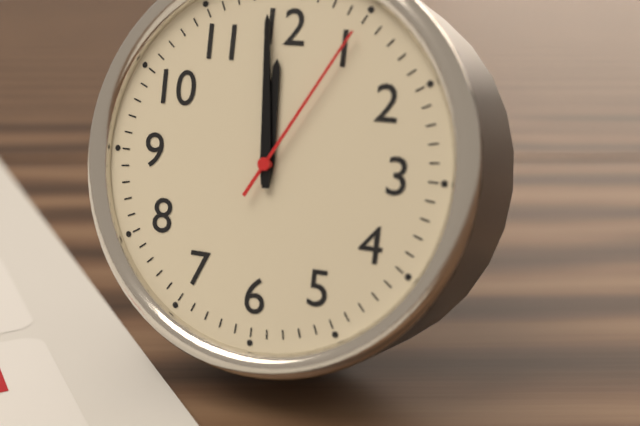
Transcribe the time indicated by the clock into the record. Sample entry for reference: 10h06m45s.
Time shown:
11h59m05s
